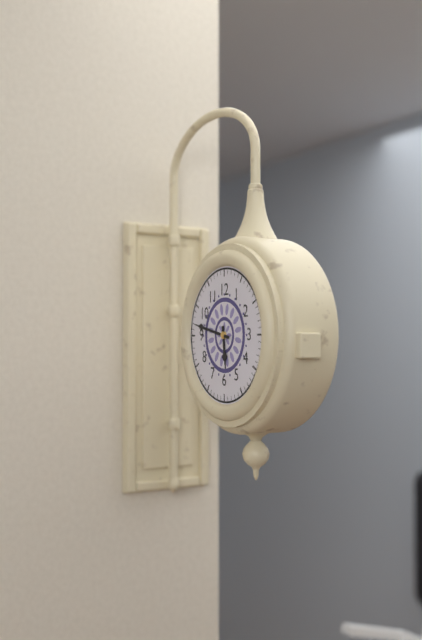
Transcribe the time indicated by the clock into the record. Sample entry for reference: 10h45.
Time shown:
5h47
